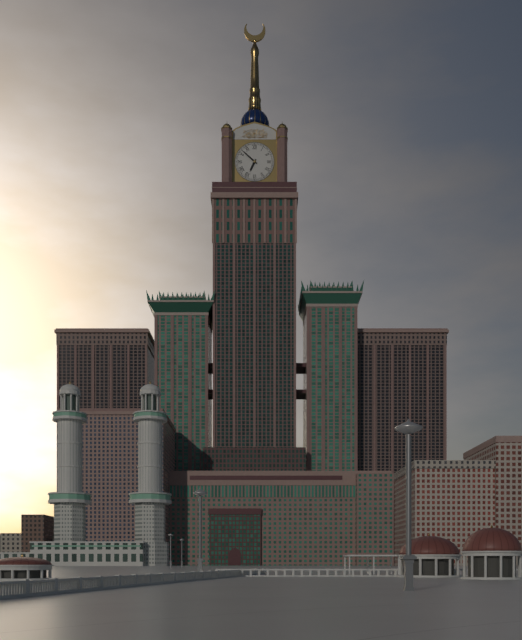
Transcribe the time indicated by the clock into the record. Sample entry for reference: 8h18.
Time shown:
6h52
